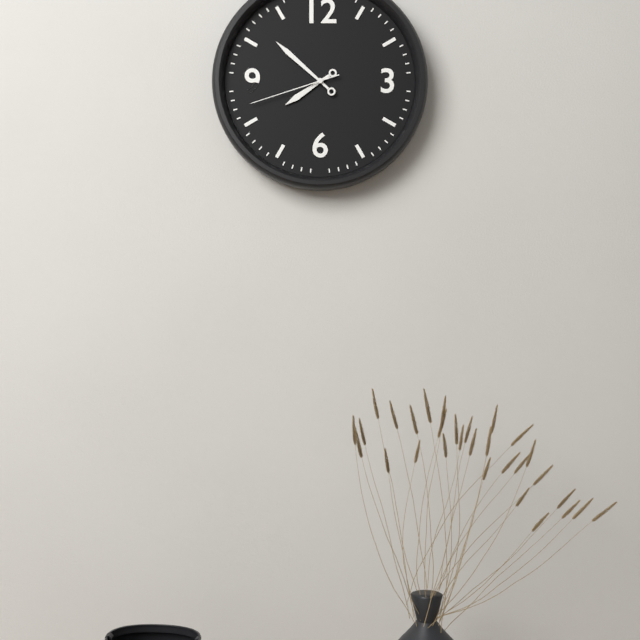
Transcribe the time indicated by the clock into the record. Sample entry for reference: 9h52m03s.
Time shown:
7h52m42s
